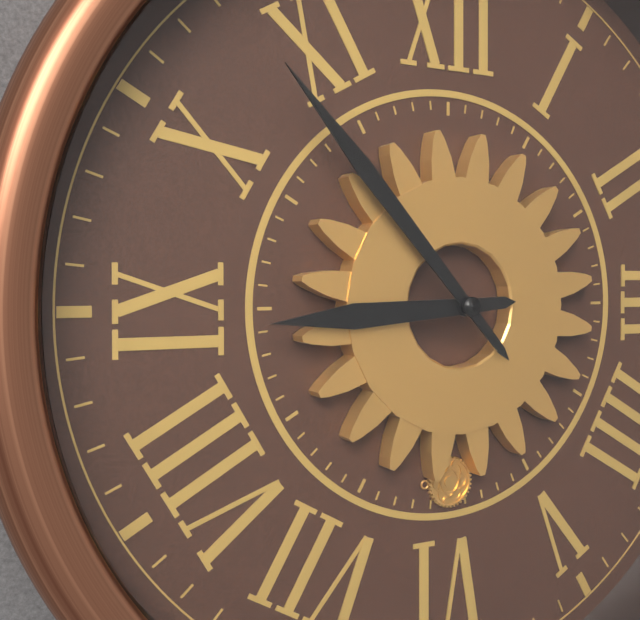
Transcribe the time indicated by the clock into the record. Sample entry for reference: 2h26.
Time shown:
8h53
